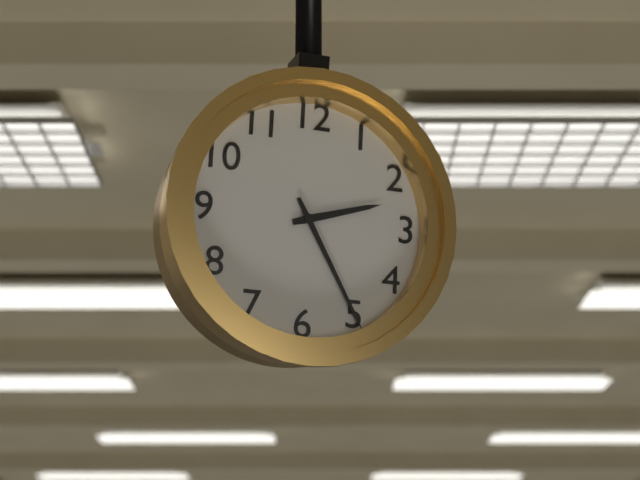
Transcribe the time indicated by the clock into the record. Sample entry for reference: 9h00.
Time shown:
2h25
